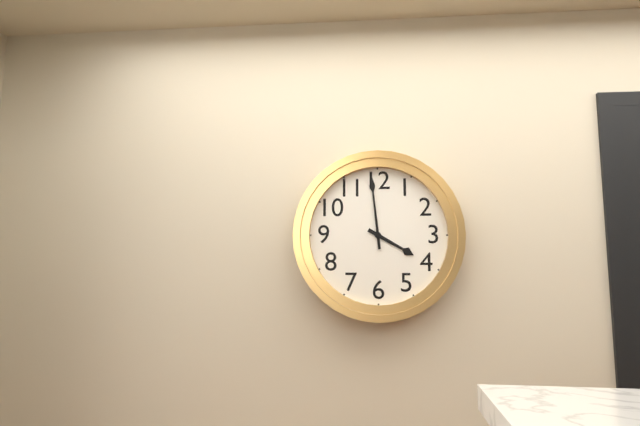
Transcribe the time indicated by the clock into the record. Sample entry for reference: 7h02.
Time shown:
3h59
